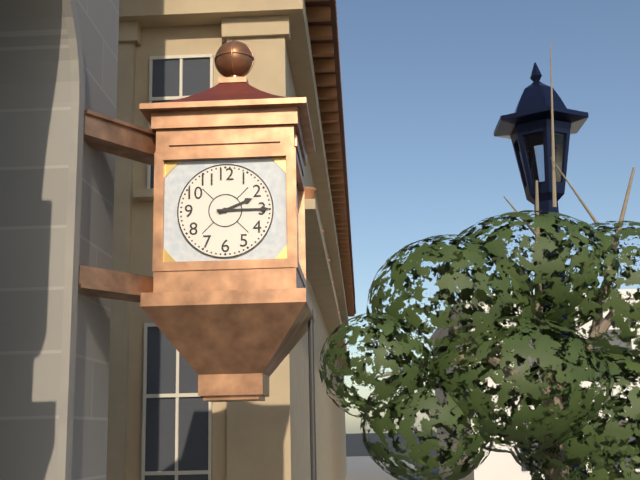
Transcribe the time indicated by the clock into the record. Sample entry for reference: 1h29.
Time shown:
2h15
